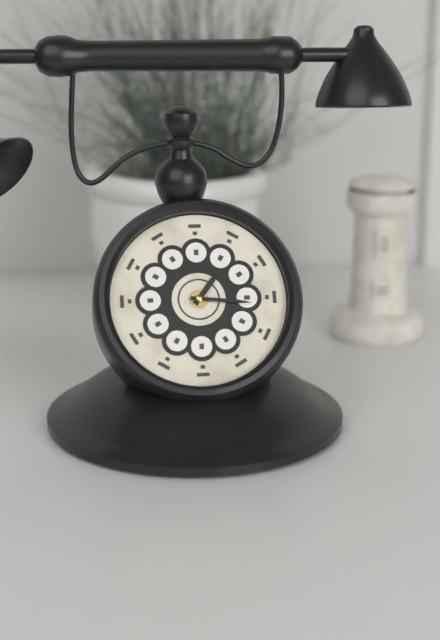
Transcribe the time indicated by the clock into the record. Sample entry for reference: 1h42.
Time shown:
1h16
